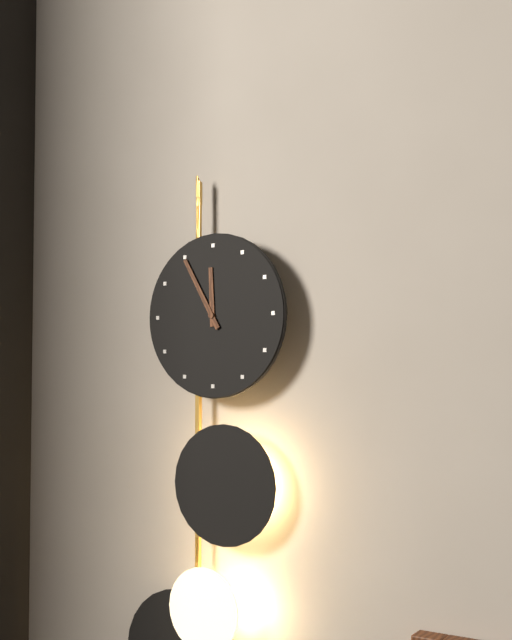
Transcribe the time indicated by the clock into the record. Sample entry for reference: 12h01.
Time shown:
11h55
